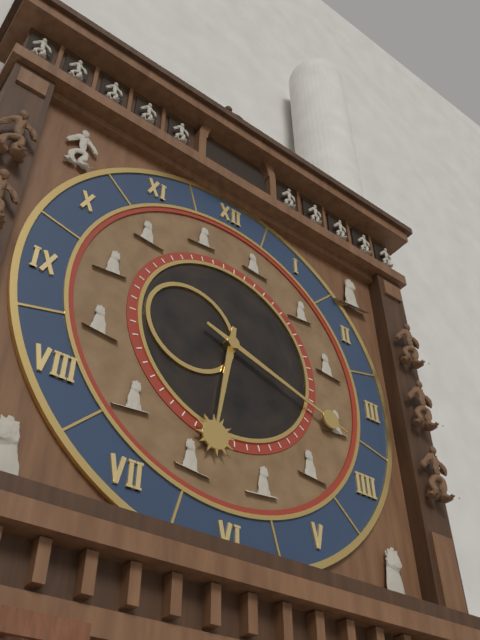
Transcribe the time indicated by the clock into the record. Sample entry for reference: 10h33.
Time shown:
6h18
